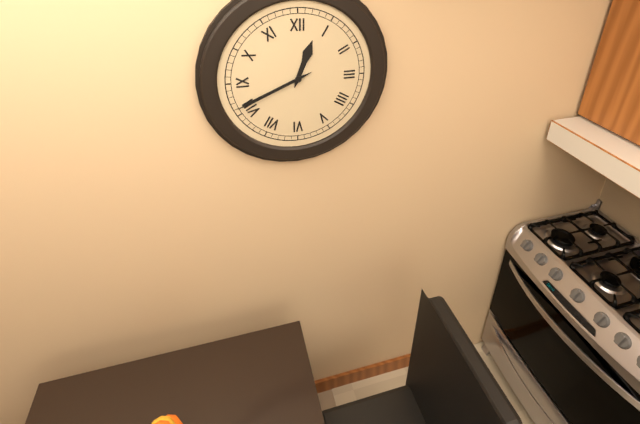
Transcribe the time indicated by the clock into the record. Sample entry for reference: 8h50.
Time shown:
12h41
